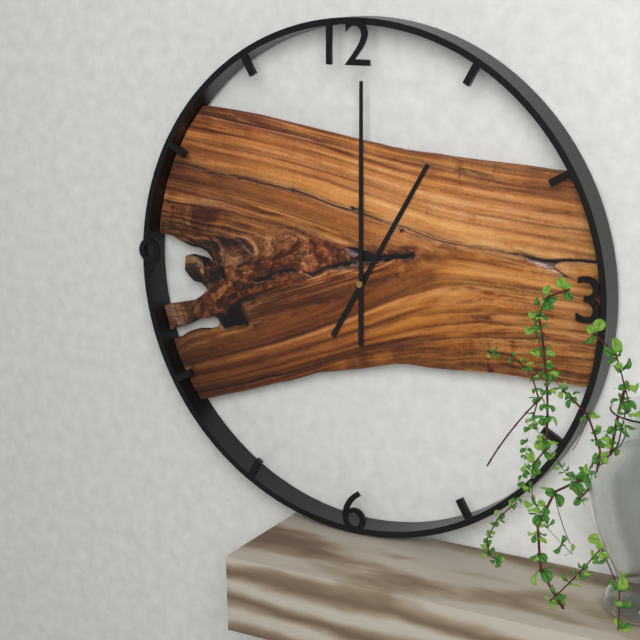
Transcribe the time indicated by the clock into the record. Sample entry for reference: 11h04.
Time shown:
1h00
